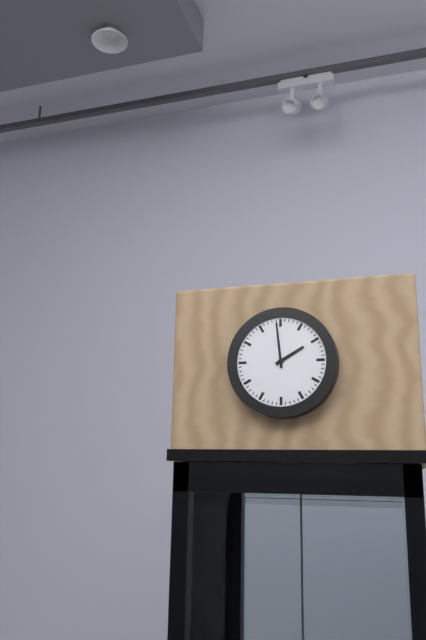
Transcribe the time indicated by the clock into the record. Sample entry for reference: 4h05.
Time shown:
1h59
